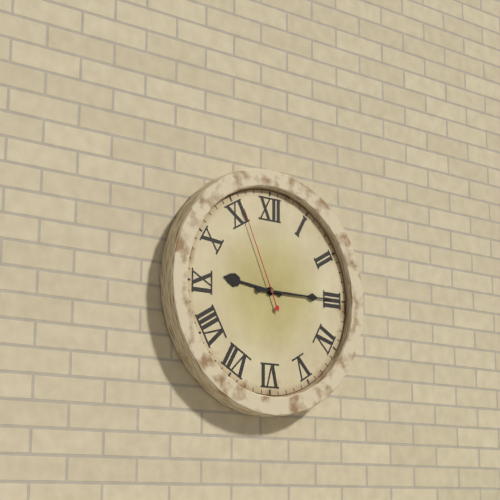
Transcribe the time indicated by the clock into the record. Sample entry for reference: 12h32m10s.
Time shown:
9h15m56s
